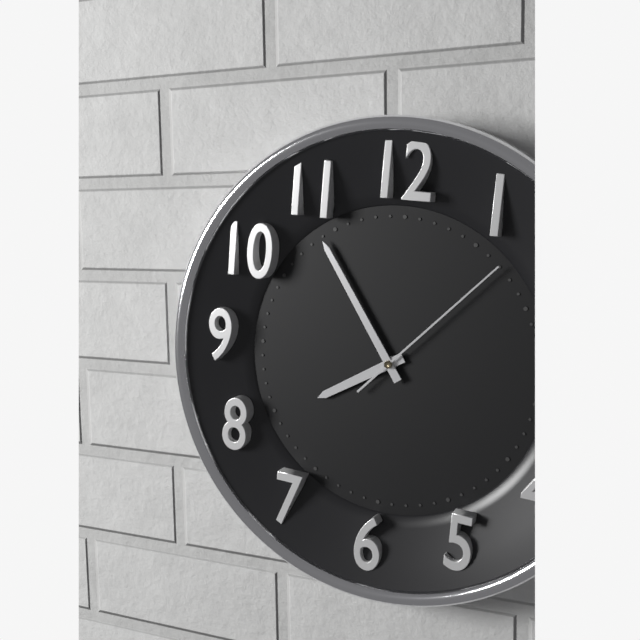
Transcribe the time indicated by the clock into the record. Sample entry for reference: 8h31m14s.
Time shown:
7h54m07s
